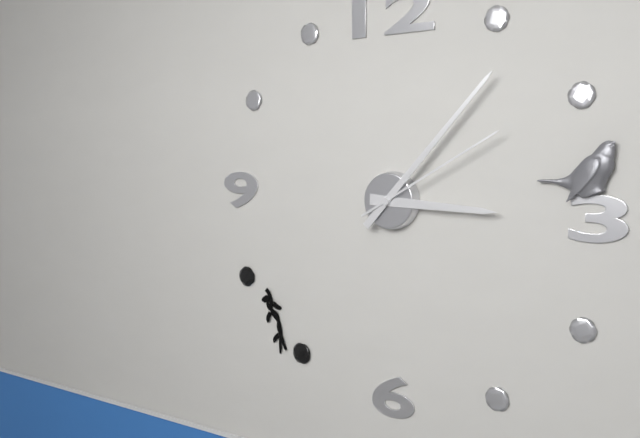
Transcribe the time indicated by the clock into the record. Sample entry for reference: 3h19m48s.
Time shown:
3h07m10s
